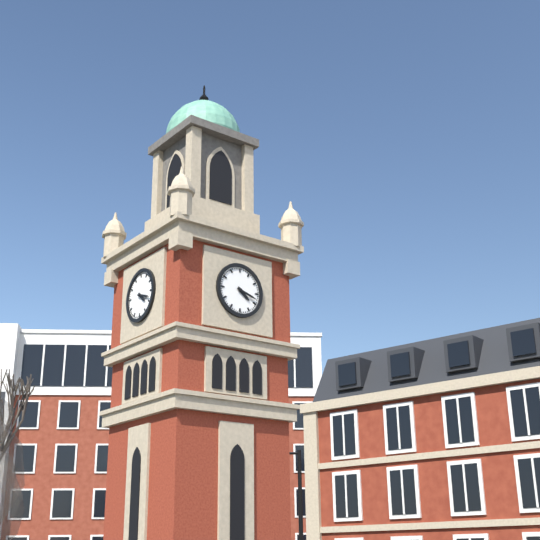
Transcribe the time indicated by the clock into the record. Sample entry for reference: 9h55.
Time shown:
4h18
